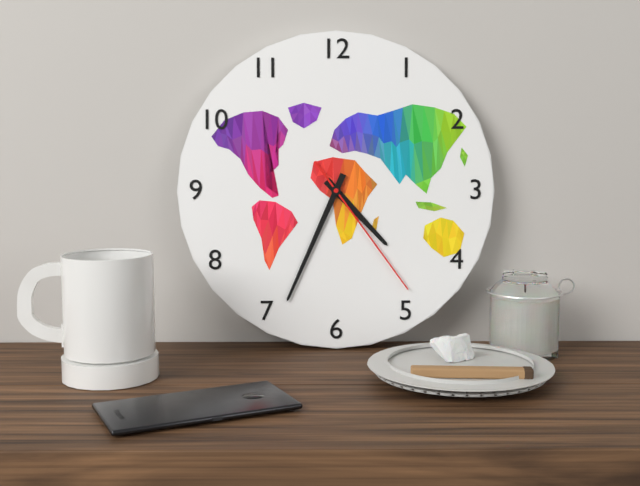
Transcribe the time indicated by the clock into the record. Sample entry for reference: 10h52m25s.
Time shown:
4h34m24s
